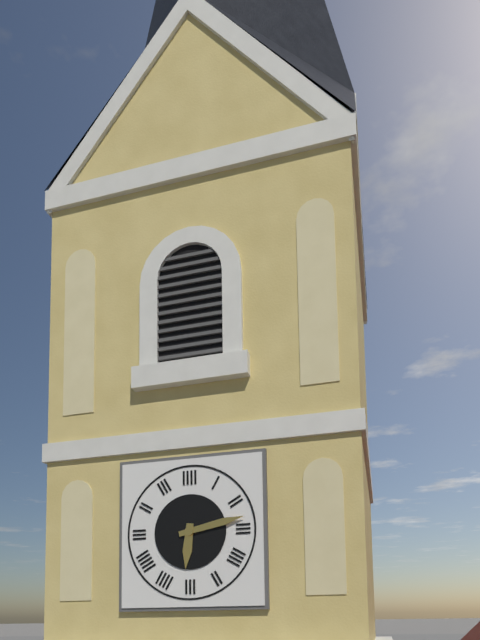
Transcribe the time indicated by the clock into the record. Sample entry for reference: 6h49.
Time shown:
6h13
